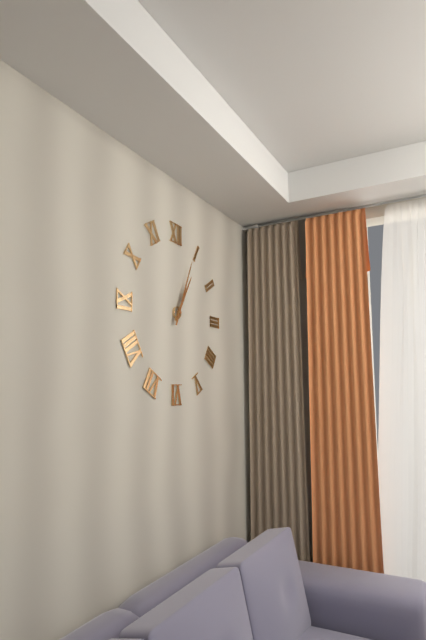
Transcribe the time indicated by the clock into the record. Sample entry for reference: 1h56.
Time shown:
1h04
